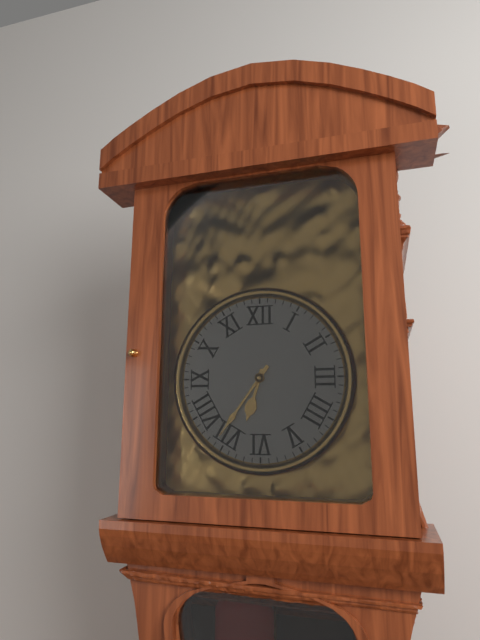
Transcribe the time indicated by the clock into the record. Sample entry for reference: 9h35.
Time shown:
6h36
